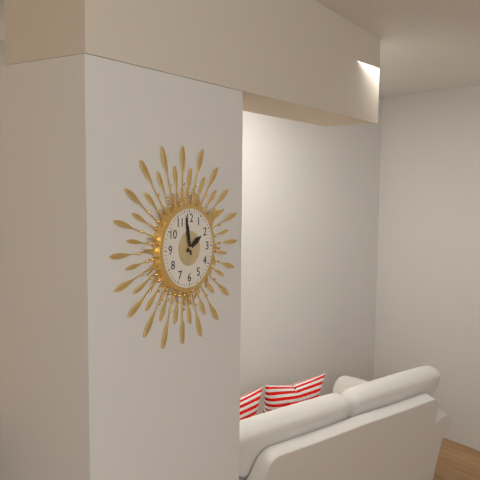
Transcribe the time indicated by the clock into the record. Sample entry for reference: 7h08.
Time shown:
1h58
